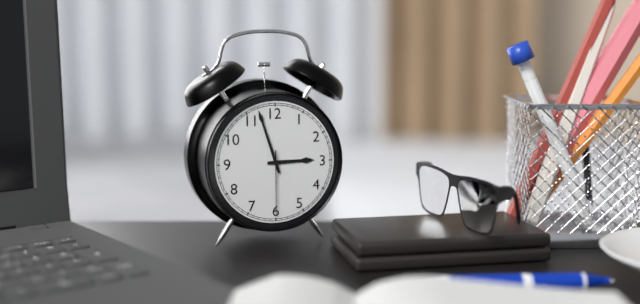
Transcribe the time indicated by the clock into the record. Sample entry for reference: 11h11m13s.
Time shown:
2h57m30s
